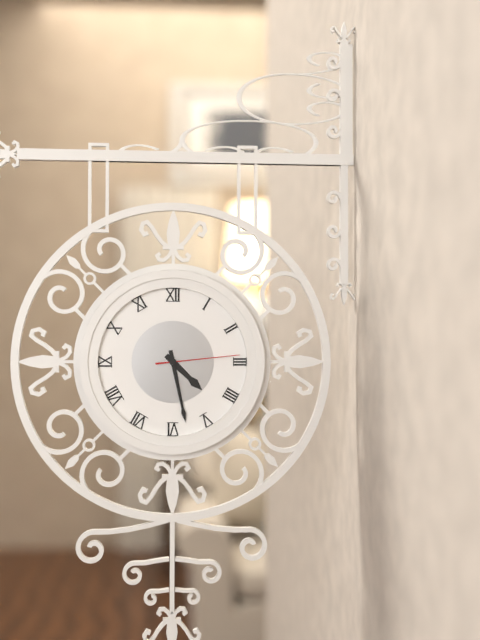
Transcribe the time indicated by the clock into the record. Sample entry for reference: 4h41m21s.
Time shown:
4h28m14s
